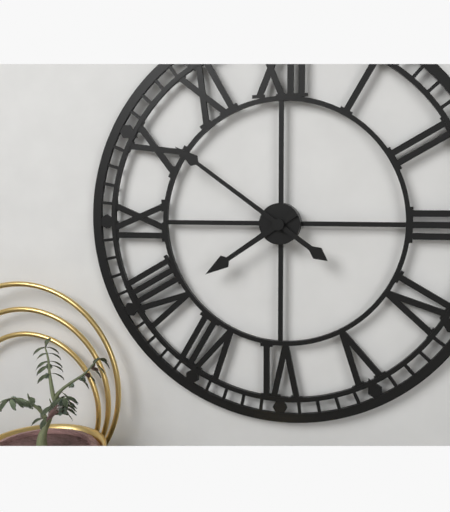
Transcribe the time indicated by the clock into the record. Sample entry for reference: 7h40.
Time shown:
7h51
